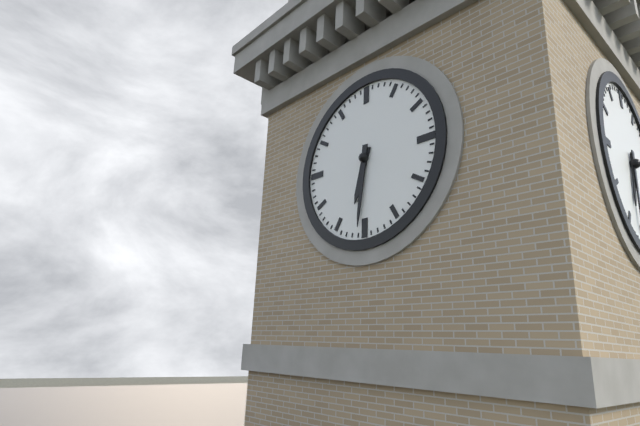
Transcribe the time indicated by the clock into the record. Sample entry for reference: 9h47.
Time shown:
6h31
